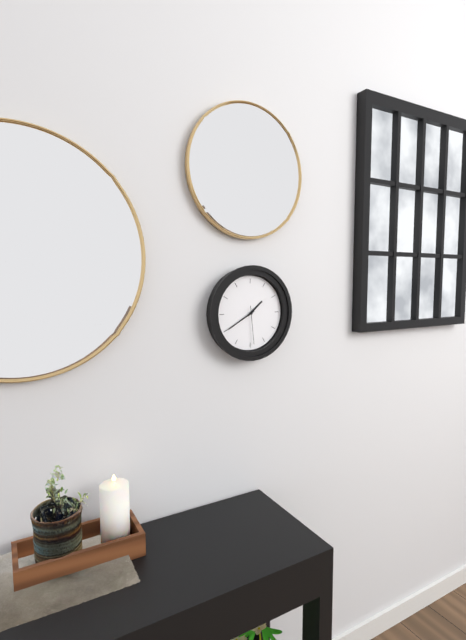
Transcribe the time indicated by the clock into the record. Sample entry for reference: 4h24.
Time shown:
1h40
